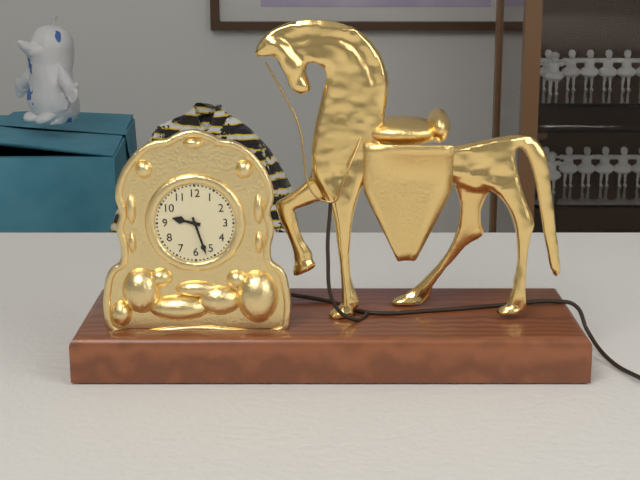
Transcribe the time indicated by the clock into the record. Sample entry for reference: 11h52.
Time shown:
9h27
